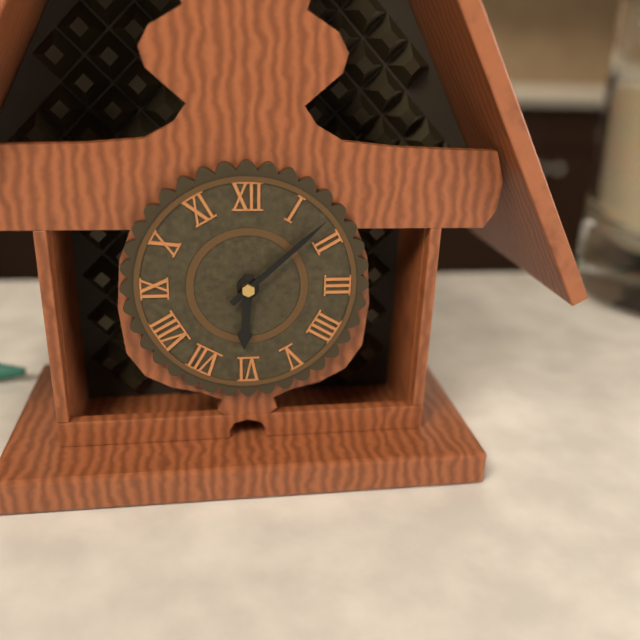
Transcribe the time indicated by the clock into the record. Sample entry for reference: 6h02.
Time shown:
6h08
